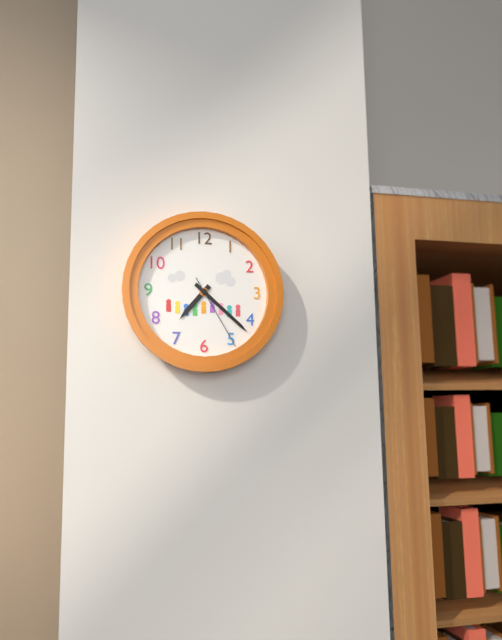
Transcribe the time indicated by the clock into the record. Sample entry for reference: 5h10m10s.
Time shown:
7h22m25s
